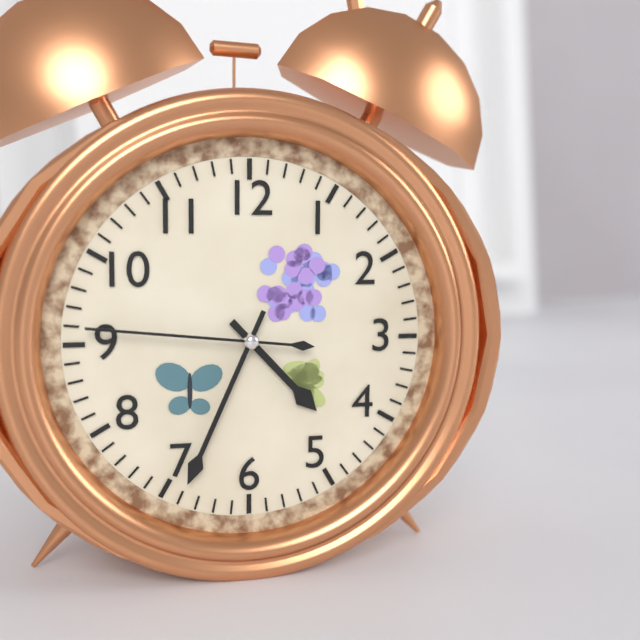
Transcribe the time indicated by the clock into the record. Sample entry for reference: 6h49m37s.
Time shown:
4h34m46s
